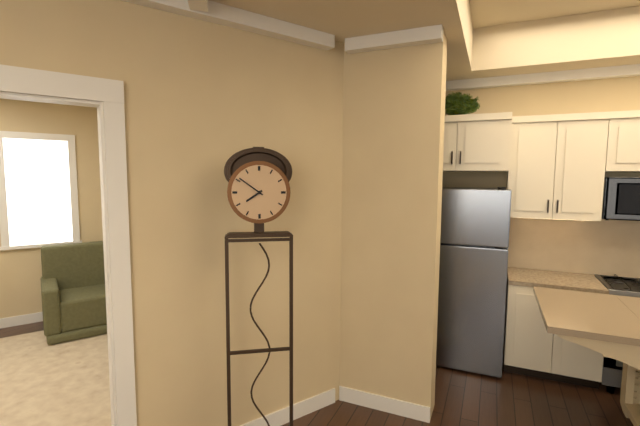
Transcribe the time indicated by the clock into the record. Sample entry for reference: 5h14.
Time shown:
7h51
